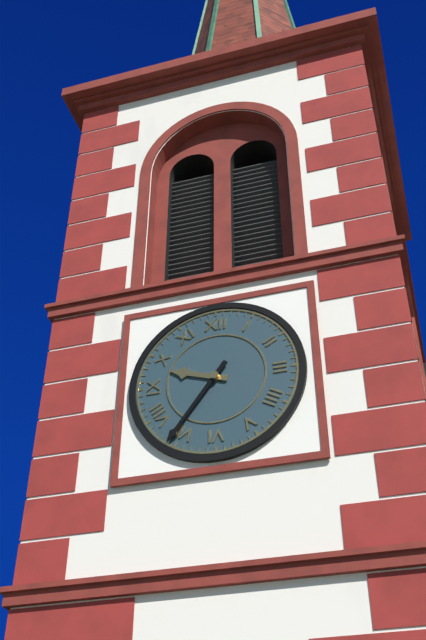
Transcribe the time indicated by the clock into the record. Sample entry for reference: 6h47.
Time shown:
9h36
